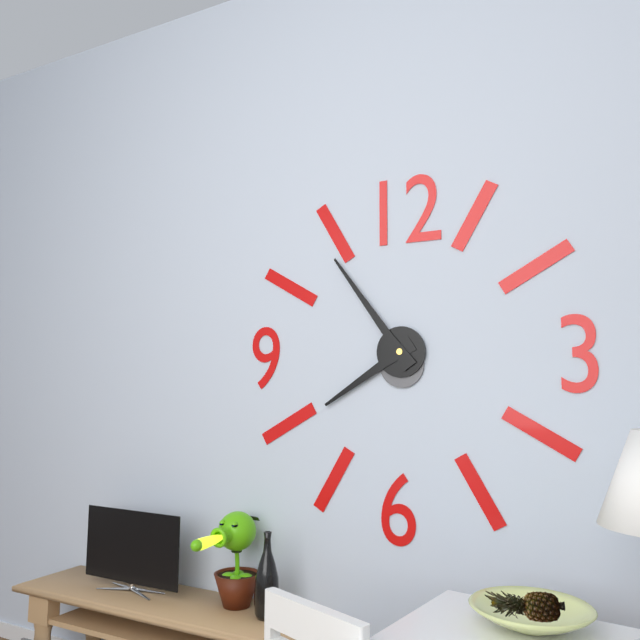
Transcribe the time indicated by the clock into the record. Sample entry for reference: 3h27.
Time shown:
7h54
